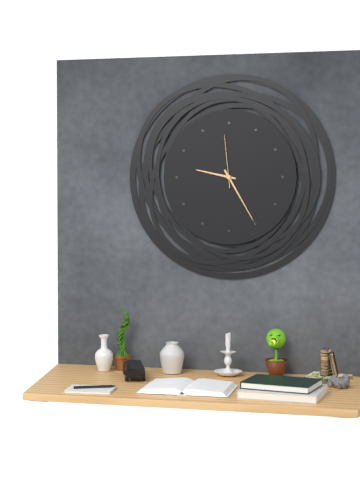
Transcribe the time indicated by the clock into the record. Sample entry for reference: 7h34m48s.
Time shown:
9h25m59s
